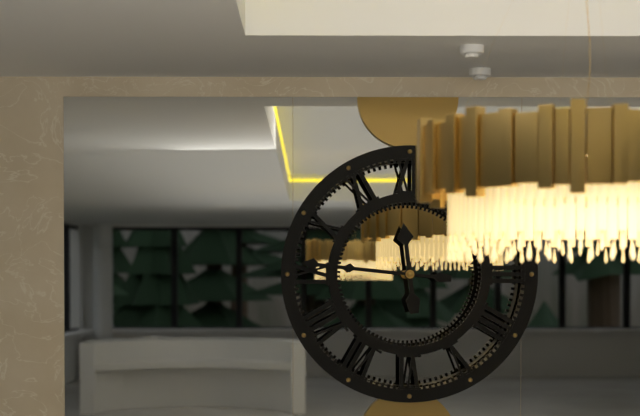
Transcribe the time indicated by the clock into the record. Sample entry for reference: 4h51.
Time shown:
11h46
